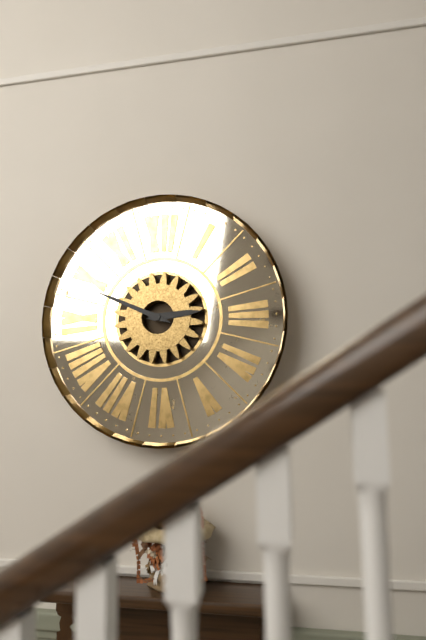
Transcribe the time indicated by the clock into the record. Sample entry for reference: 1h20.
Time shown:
2h49
